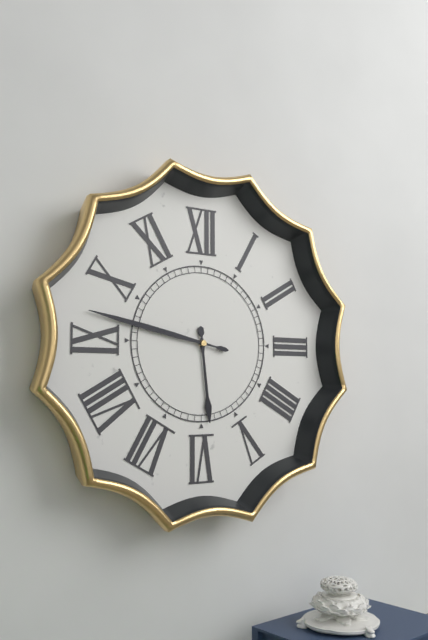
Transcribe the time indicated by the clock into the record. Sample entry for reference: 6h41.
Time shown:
5h47
